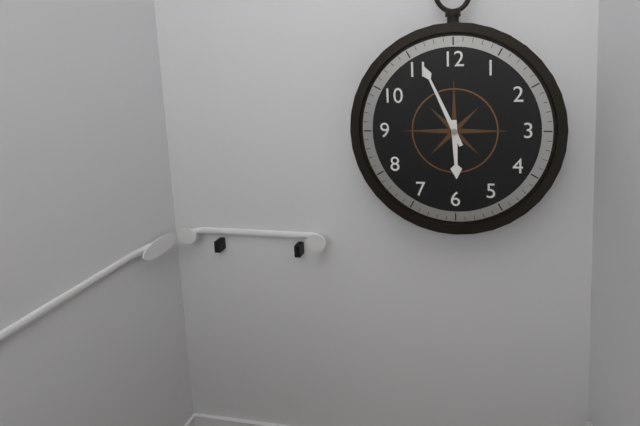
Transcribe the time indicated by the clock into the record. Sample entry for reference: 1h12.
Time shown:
5h56
